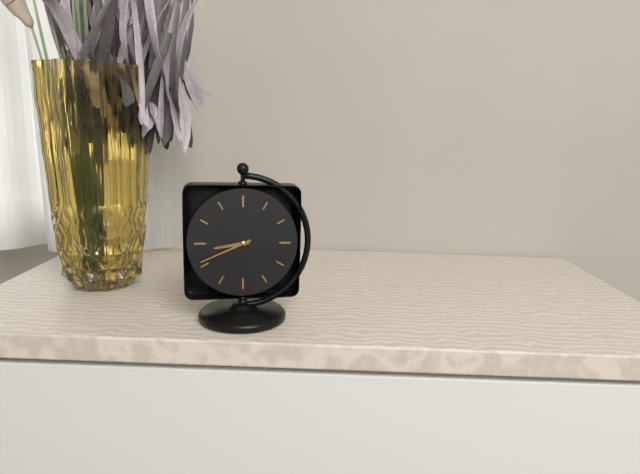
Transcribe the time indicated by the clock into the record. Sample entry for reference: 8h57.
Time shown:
8h41
